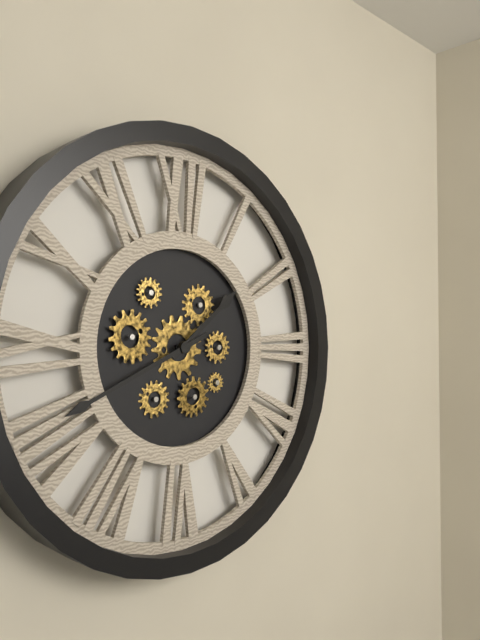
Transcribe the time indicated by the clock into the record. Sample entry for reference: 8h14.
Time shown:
1h41
